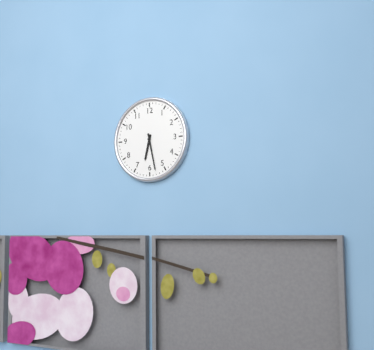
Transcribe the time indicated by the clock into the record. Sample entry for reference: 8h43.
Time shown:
6h28
